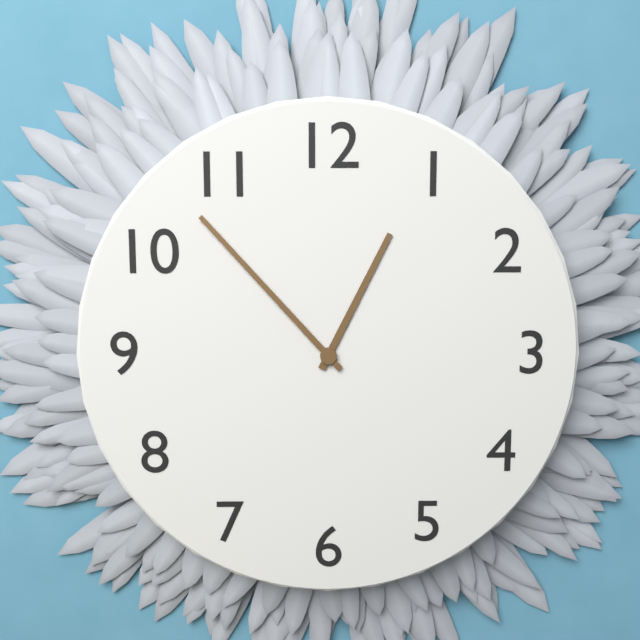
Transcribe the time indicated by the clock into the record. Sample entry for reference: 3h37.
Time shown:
12h53
